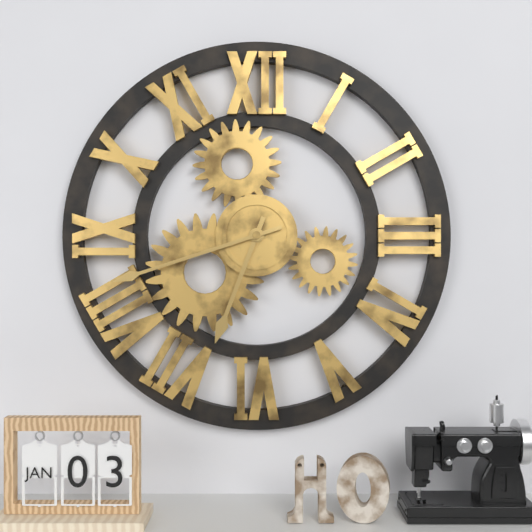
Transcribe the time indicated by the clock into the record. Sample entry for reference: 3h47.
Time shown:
6h42
